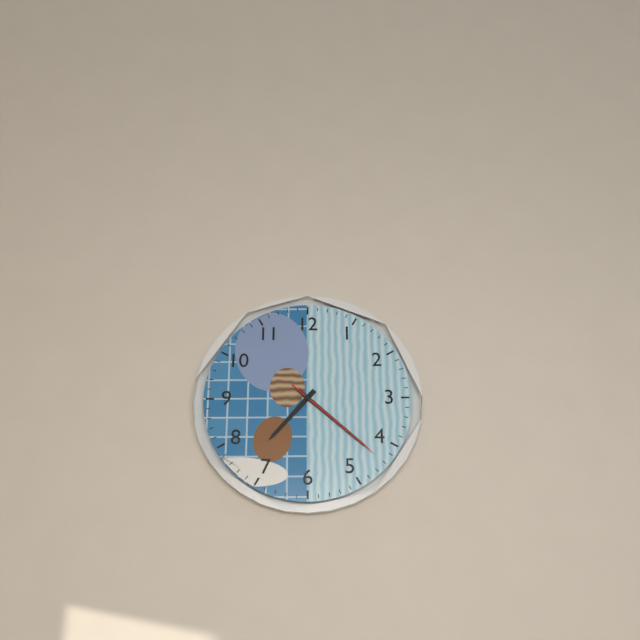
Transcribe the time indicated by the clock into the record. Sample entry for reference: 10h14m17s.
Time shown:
7h22m22s
